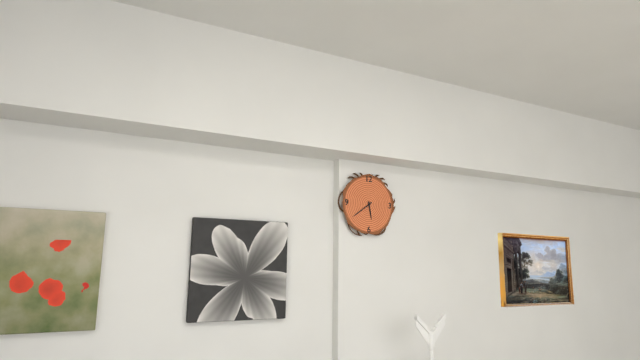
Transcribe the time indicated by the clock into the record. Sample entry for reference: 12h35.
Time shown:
5h39
